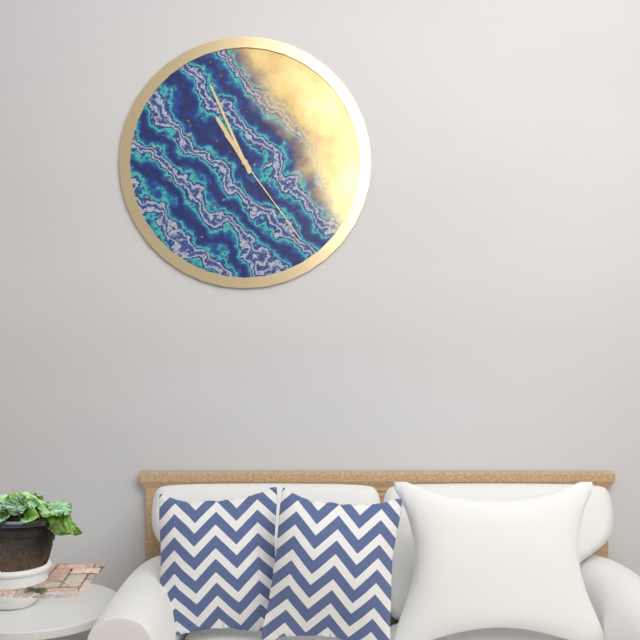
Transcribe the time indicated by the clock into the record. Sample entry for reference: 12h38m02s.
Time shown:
10h56m24s
